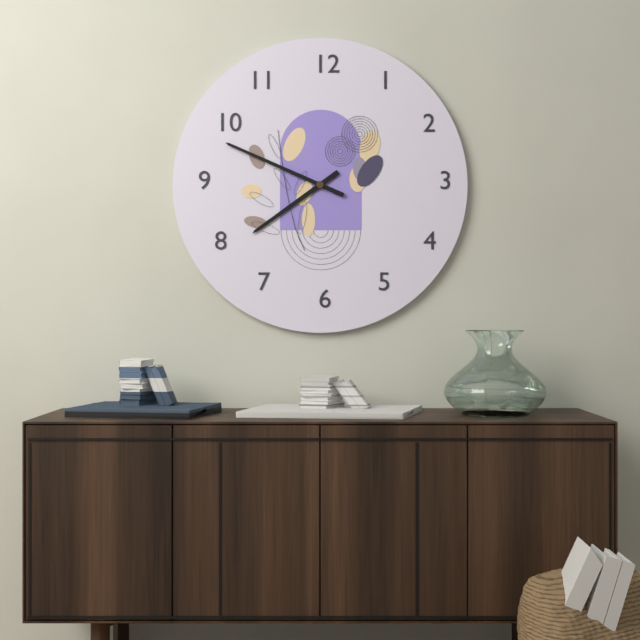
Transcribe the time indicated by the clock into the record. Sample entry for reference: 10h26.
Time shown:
7h49
